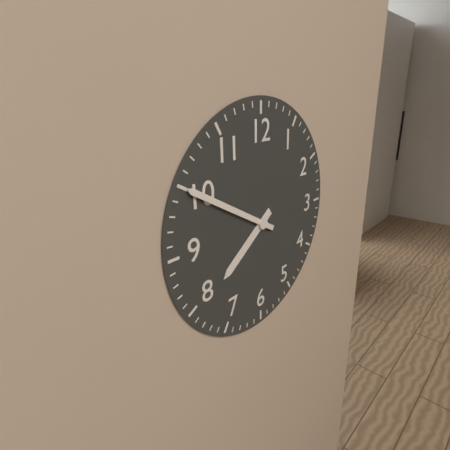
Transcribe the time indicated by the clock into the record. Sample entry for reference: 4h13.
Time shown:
7h50
